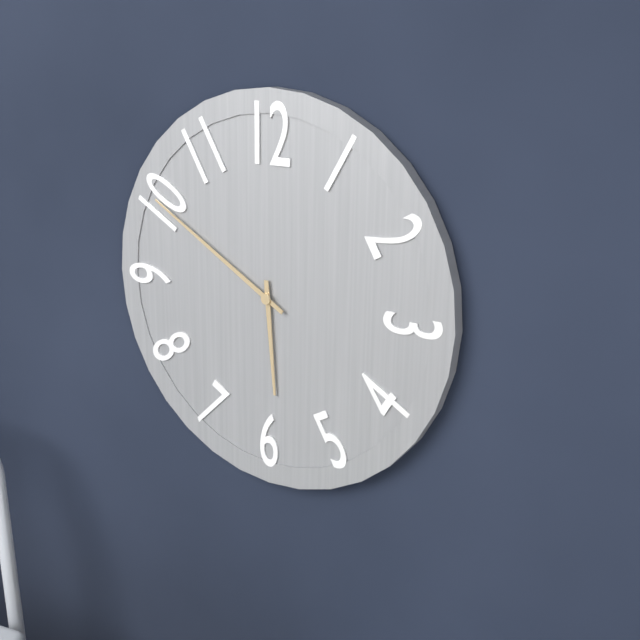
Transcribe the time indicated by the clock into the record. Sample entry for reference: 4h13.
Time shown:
5h50
